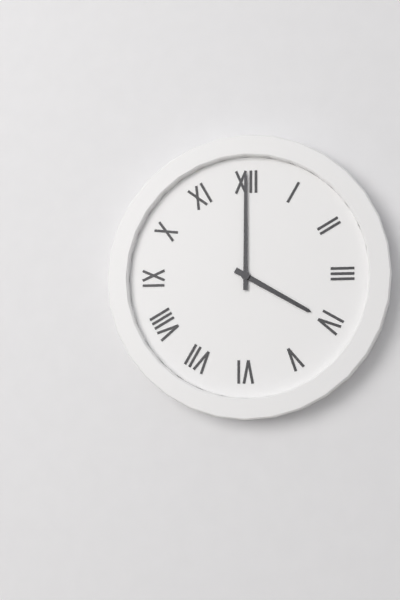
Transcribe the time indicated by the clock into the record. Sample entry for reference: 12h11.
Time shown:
4h00
